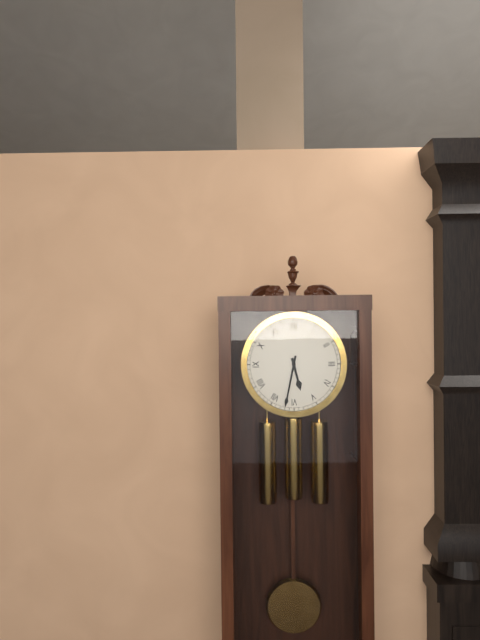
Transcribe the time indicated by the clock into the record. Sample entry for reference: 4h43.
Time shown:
5h32
